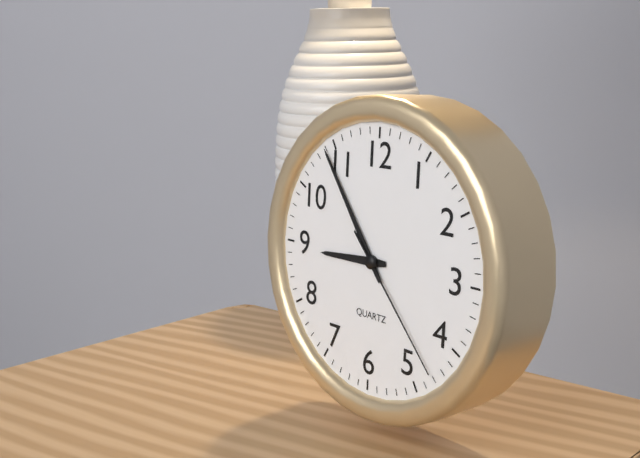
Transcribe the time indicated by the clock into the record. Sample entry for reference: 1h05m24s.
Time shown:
8h54m23s
